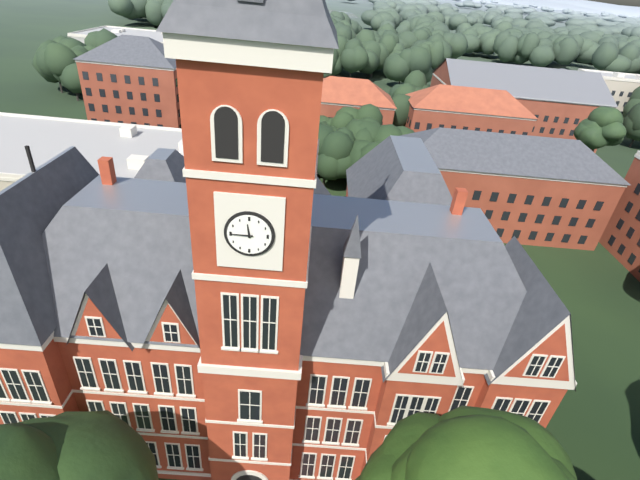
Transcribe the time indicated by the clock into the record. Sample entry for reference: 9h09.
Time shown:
11h45
